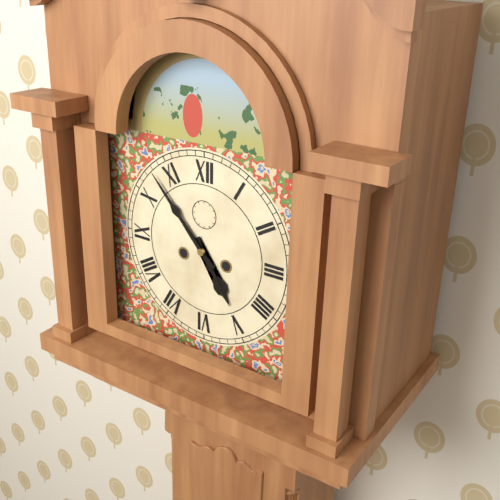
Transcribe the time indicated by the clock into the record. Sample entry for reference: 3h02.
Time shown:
4h53
